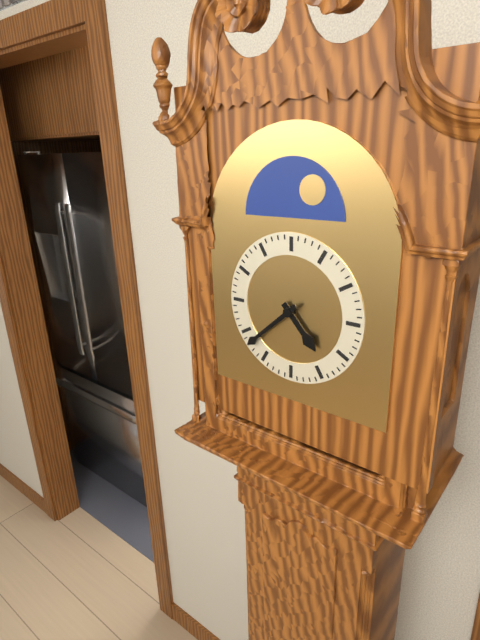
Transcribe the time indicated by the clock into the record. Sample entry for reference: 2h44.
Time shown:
4h38
